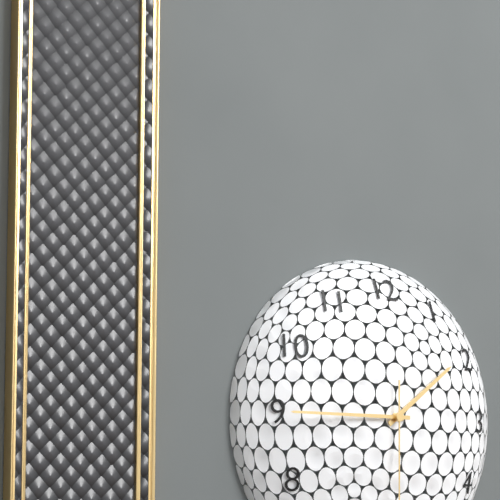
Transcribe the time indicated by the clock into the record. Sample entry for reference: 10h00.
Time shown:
1h45
